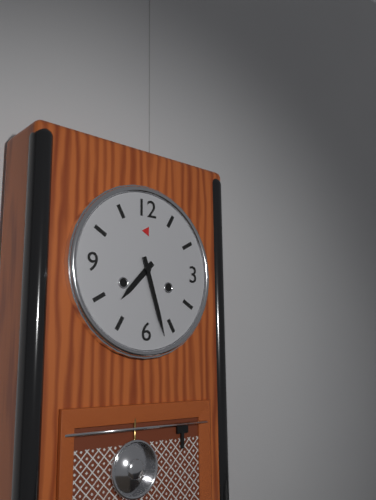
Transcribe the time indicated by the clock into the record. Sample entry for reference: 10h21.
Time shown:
7h27
